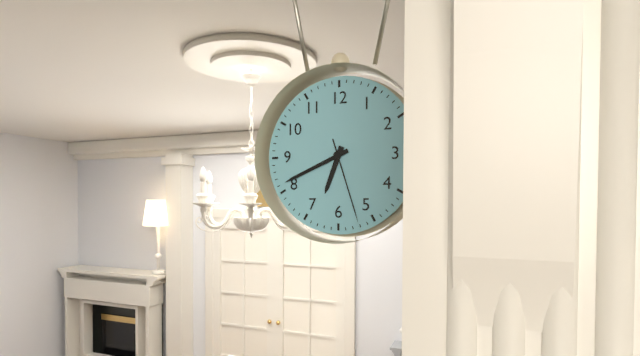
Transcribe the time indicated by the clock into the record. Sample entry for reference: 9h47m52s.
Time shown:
6h41m27s
